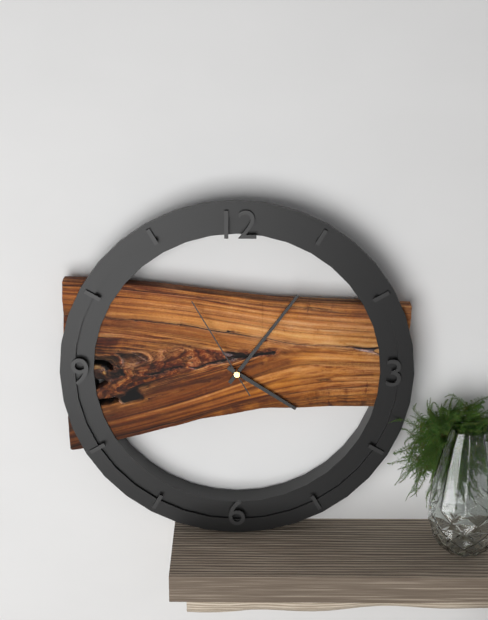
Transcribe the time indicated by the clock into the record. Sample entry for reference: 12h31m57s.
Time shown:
4h06m55s
